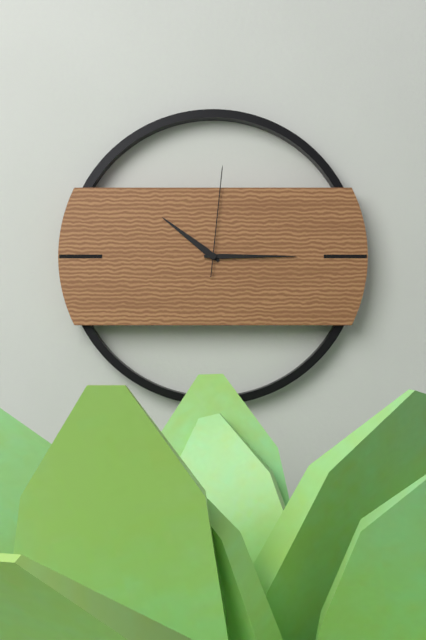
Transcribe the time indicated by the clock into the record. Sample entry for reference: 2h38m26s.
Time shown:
10h15m01s
